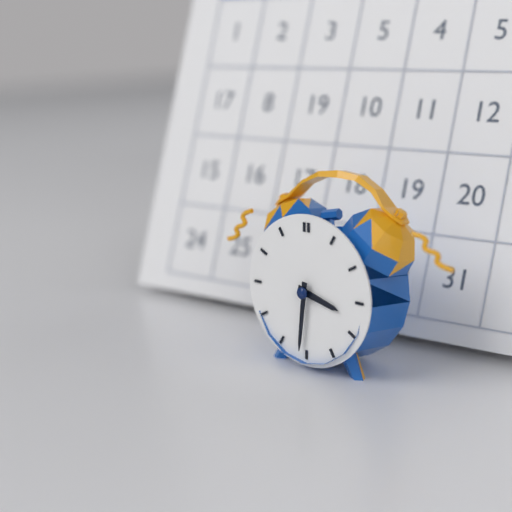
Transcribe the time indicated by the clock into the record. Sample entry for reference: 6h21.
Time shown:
3h31
